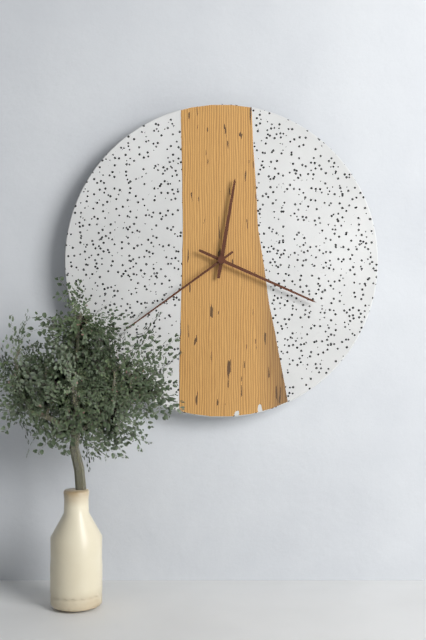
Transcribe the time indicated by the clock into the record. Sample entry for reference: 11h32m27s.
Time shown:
12h19m39s
